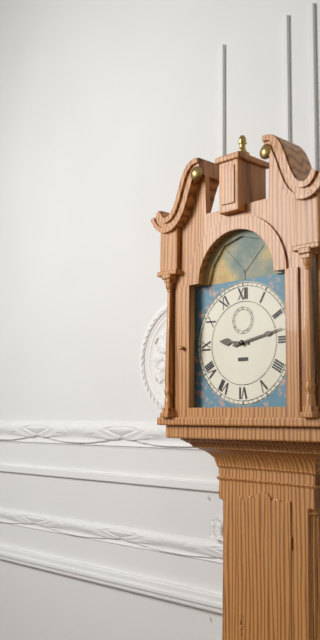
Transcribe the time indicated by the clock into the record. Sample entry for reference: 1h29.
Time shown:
9h13
